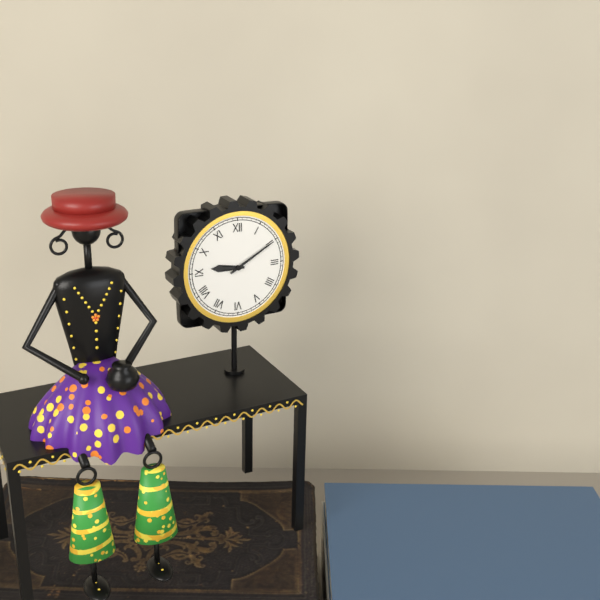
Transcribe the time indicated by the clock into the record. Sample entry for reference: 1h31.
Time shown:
9h10
